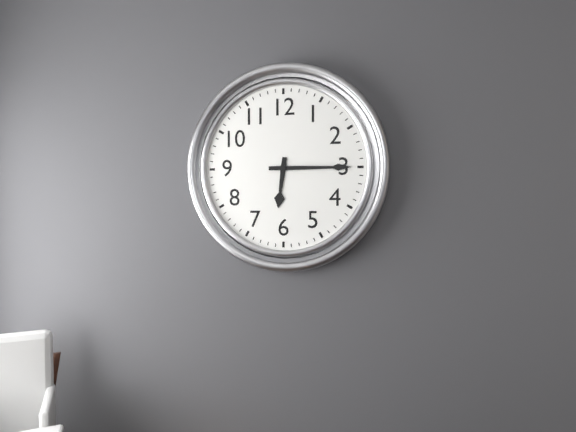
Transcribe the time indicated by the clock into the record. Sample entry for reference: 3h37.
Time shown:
6h15
